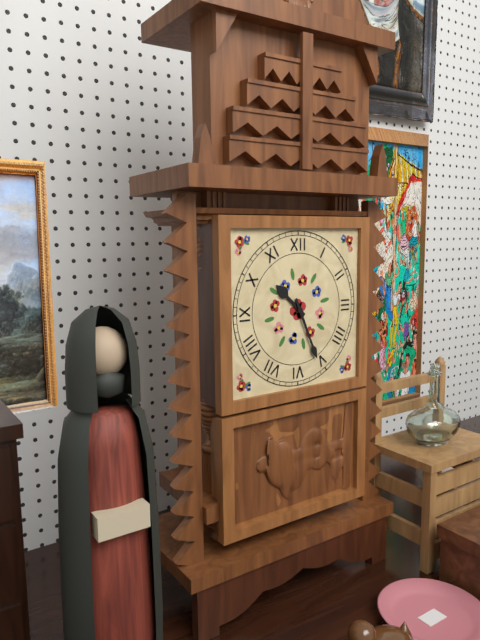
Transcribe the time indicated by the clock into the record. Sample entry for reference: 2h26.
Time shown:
10h26
